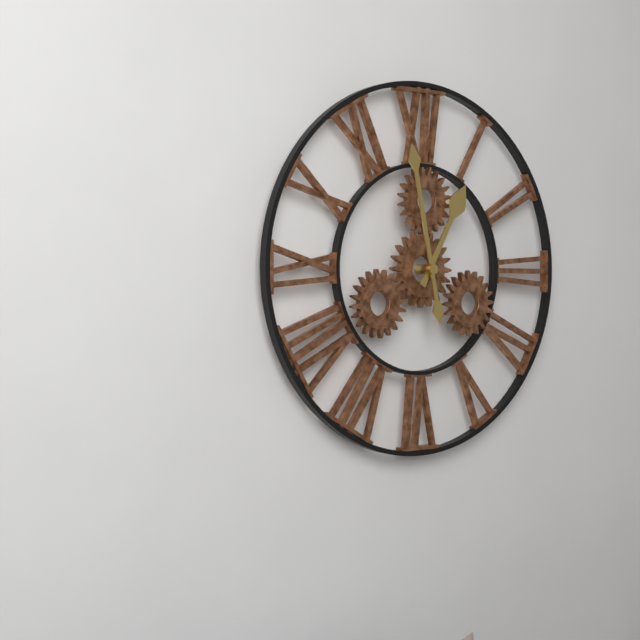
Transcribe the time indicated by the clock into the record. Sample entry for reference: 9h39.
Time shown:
12h58
